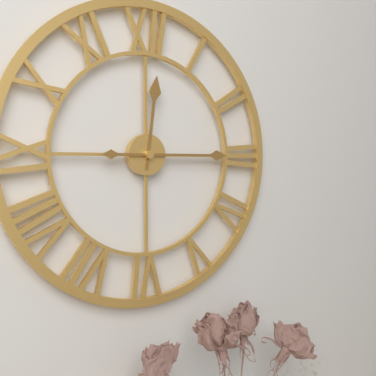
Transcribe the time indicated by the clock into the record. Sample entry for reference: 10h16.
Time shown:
12h15
